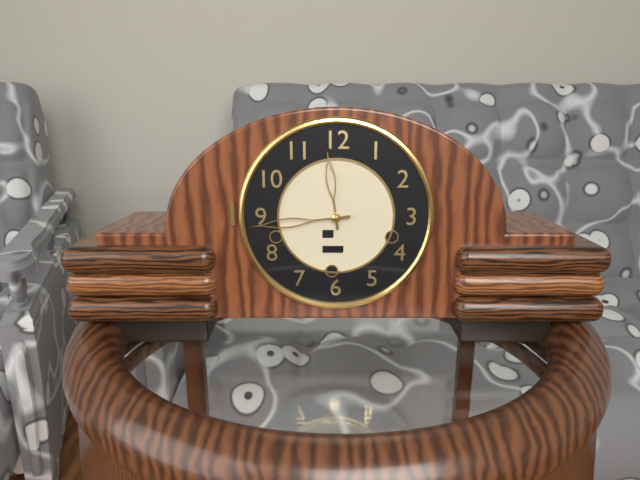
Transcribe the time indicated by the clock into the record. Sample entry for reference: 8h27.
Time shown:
11h44
